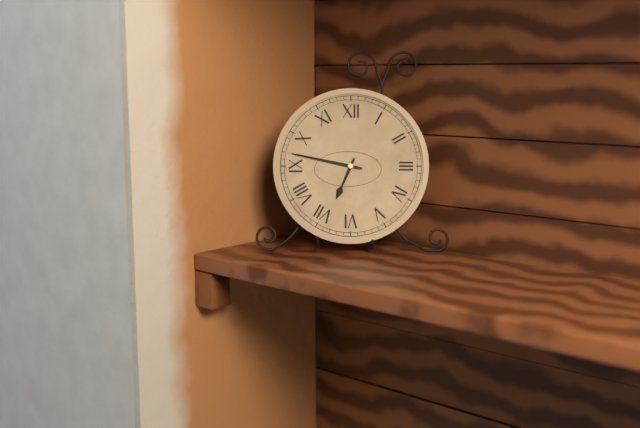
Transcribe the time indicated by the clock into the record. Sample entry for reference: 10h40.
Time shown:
6h47
